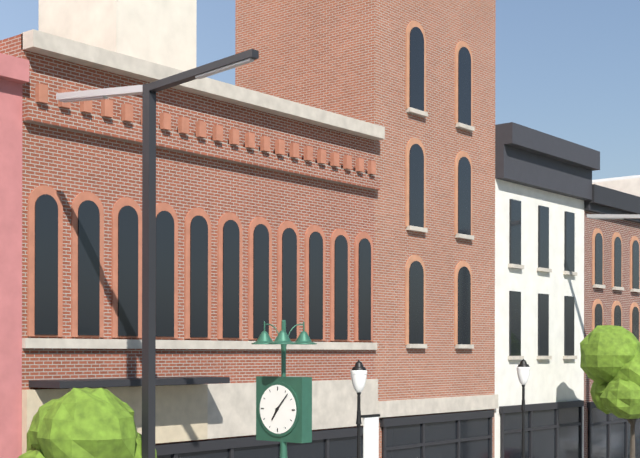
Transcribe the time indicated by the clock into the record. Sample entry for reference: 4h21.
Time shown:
7h07
